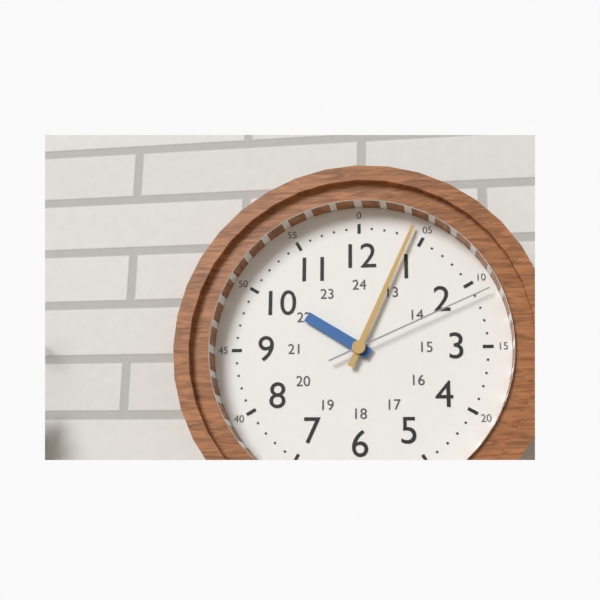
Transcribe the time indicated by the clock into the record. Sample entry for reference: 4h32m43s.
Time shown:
10h04m11s
